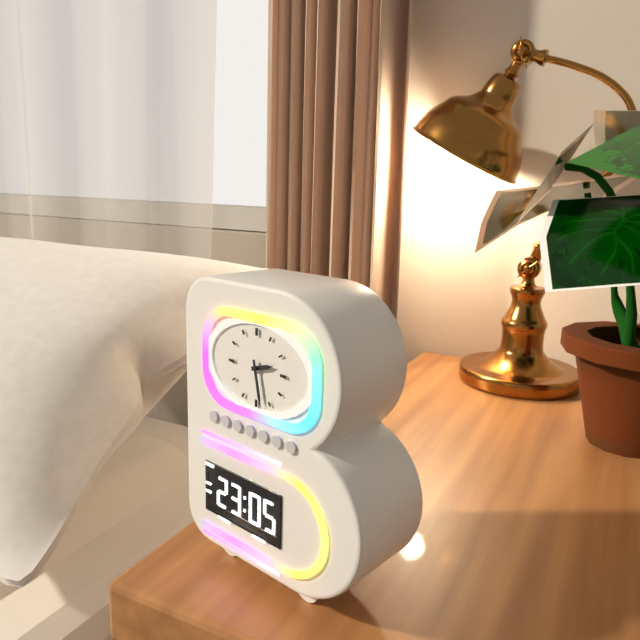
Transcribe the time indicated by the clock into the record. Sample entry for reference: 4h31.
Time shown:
2h28
